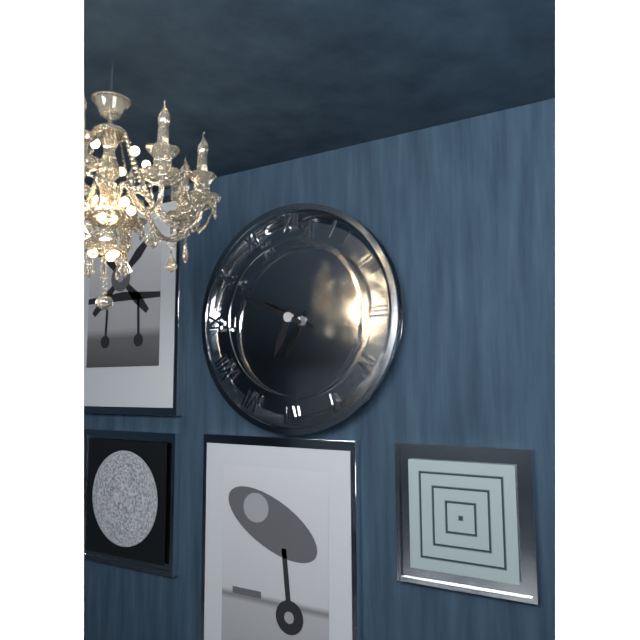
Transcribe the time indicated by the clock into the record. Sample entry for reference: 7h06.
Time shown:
6h49
